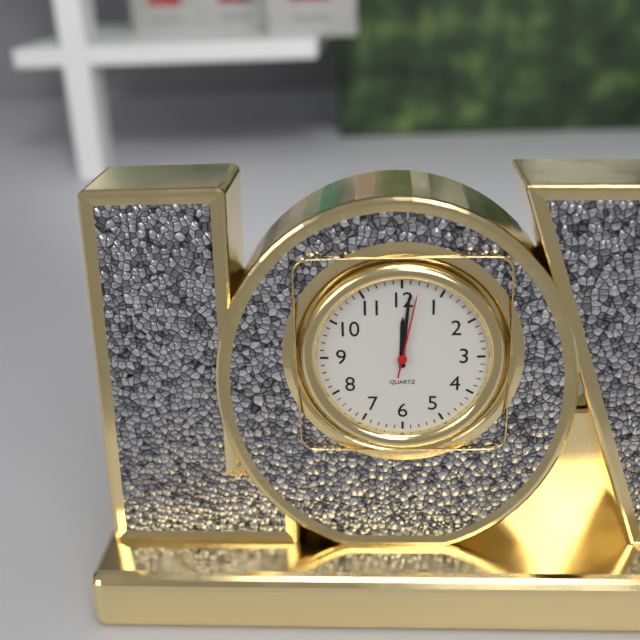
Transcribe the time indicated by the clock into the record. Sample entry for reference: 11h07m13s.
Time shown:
12h01m02s
